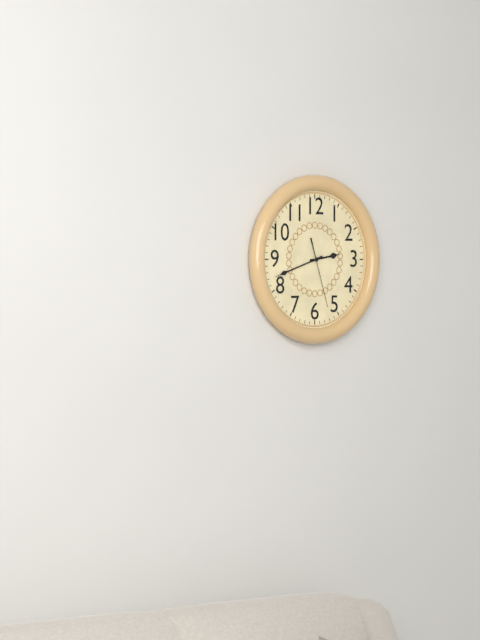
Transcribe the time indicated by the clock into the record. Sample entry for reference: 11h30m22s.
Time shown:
2h42m27s
